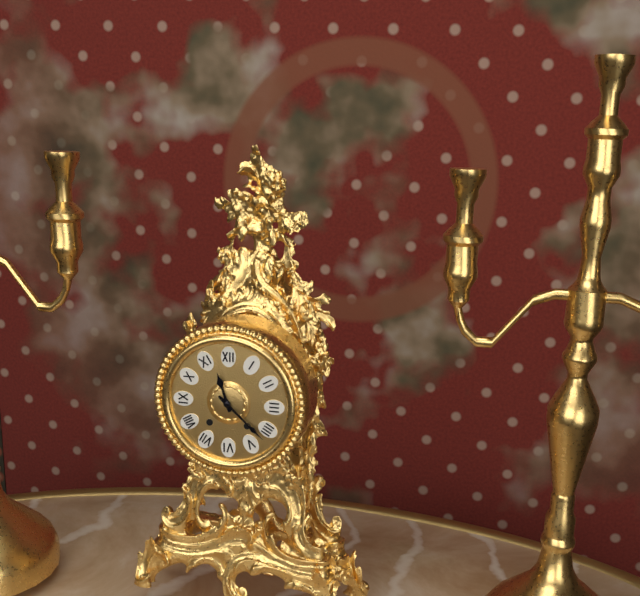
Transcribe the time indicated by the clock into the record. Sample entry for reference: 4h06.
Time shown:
11h22
